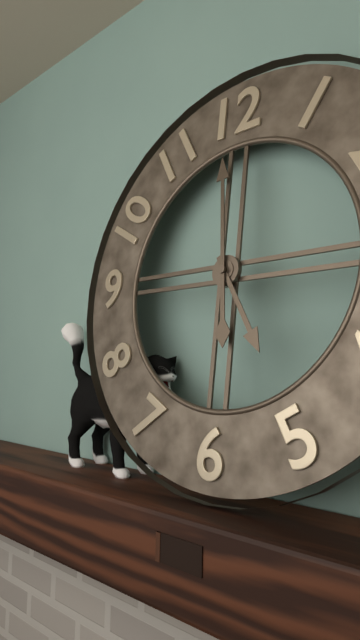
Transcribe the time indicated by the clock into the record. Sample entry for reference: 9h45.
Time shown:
4h59
